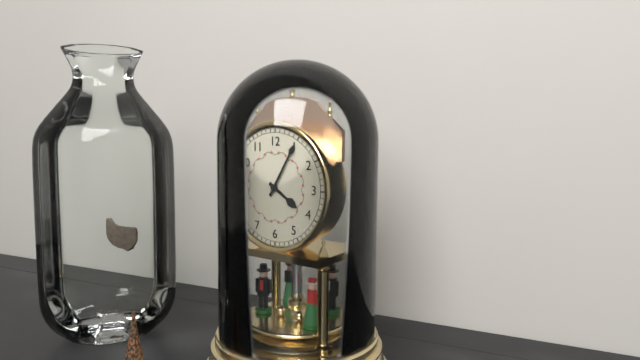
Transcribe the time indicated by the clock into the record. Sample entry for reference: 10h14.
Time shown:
4h05
